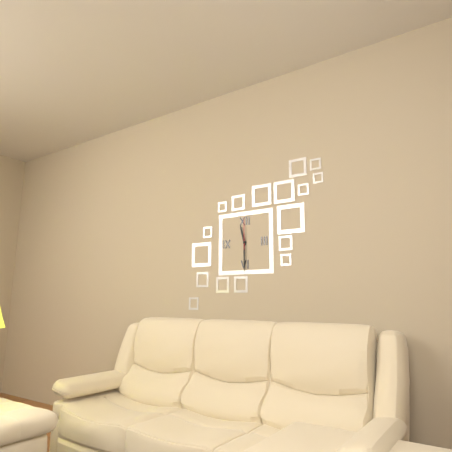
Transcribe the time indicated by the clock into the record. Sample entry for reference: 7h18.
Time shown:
11h30
